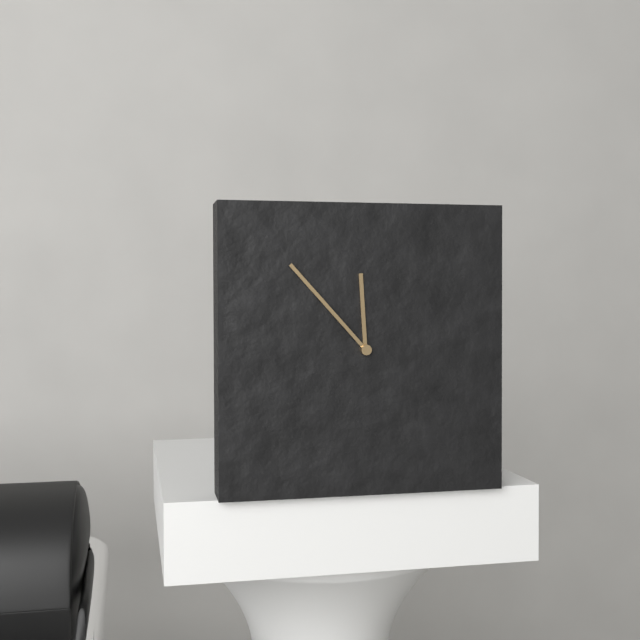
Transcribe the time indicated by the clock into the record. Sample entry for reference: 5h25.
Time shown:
11h53
